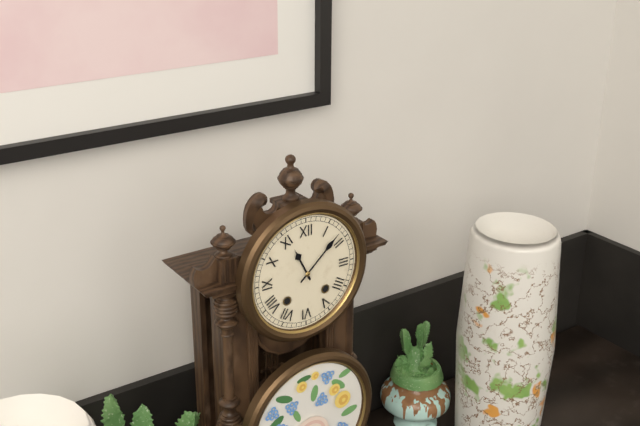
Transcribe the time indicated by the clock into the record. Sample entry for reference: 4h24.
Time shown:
11h08
